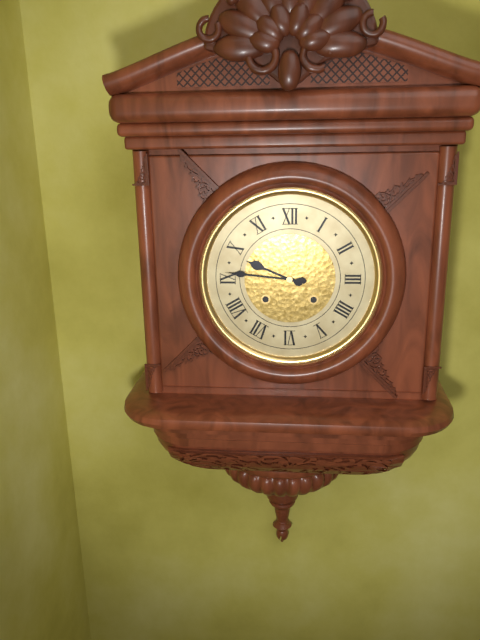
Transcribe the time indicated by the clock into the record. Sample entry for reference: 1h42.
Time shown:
9h46
